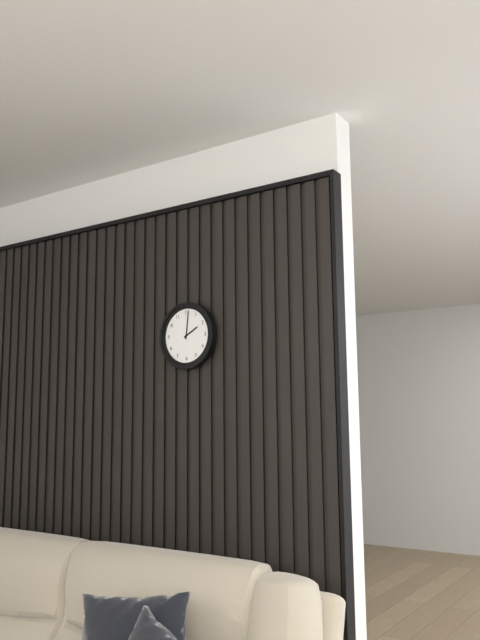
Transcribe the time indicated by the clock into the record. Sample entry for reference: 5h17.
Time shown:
2h01
